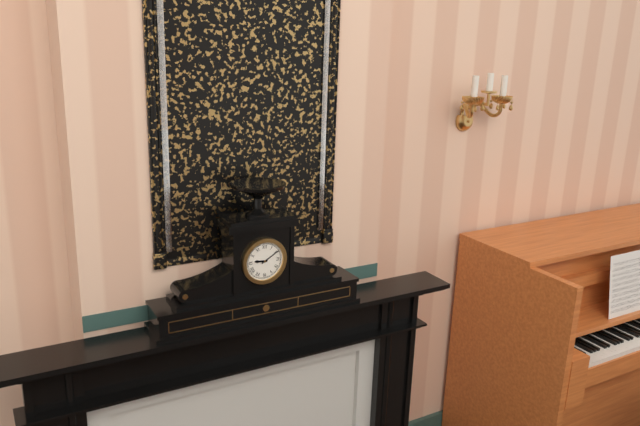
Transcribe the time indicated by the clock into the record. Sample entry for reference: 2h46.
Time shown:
9h10
